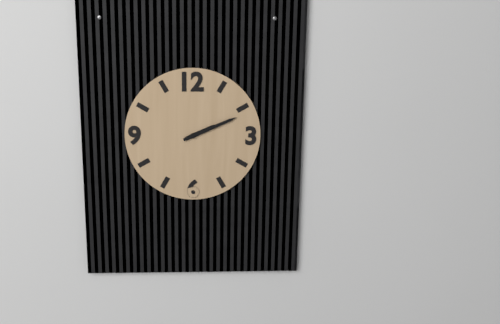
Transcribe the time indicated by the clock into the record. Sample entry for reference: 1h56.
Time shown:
2h11
